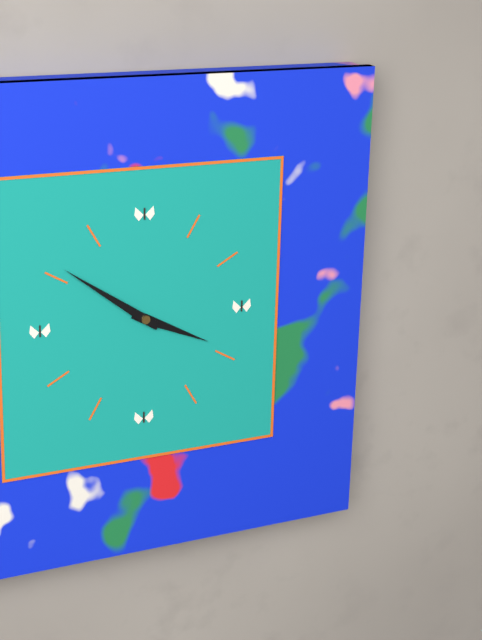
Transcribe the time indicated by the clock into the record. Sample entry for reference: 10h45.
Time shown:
3h51
